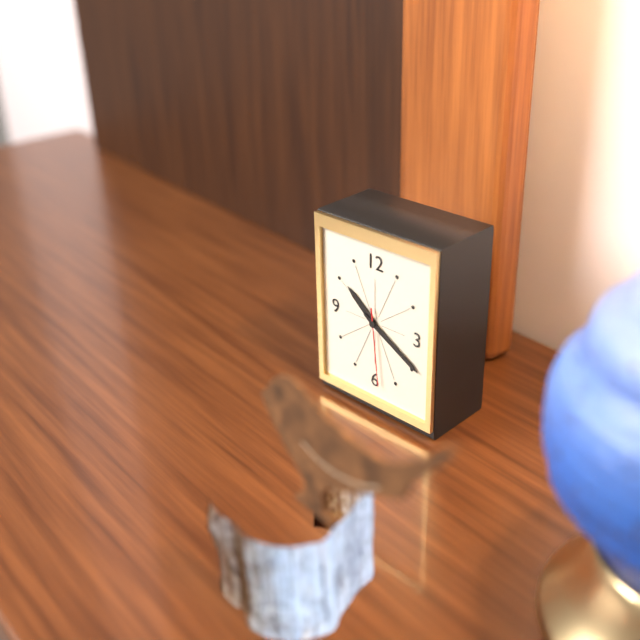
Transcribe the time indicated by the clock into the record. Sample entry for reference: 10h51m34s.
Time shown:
10h20m29s
